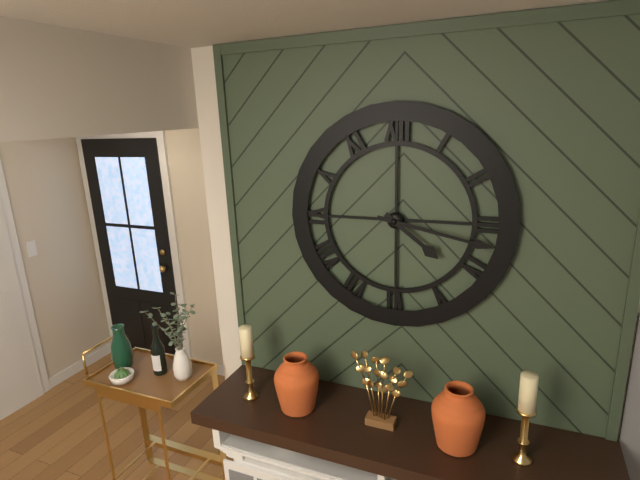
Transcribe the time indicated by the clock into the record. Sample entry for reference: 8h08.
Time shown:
4h17
